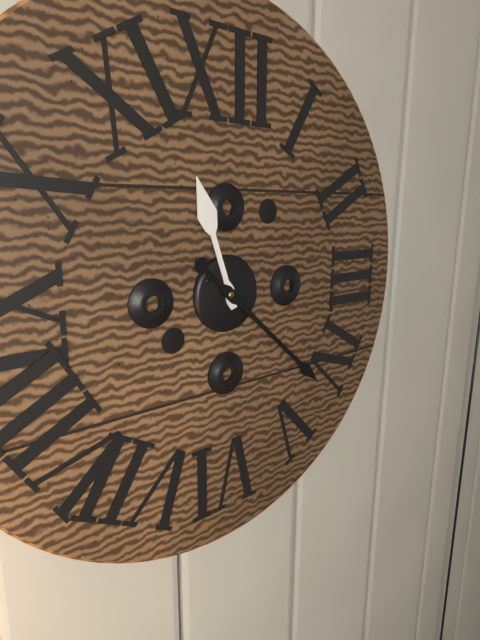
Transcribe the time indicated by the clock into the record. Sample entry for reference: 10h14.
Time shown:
11h22
